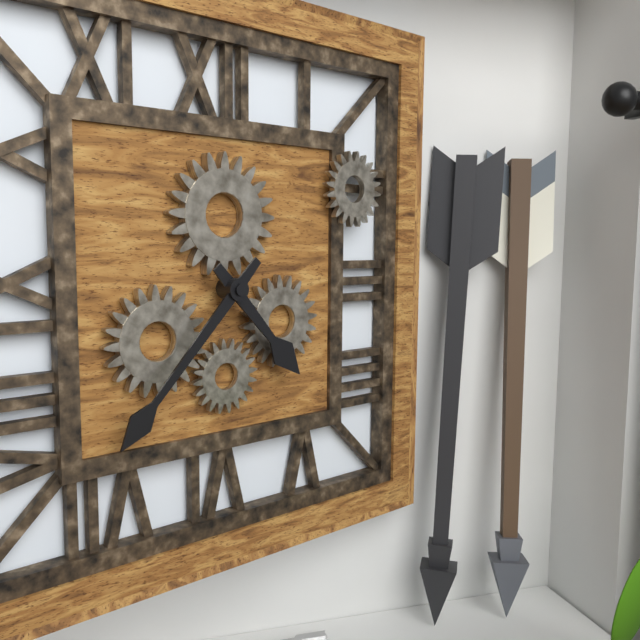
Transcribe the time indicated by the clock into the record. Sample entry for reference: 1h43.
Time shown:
4h37
